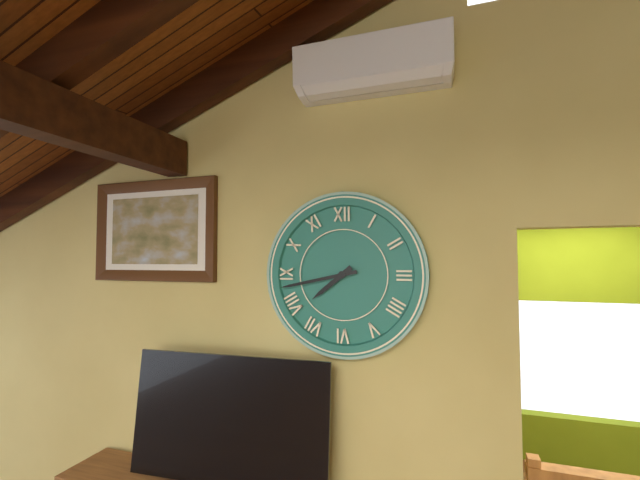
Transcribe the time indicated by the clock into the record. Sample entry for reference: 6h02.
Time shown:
7h43
